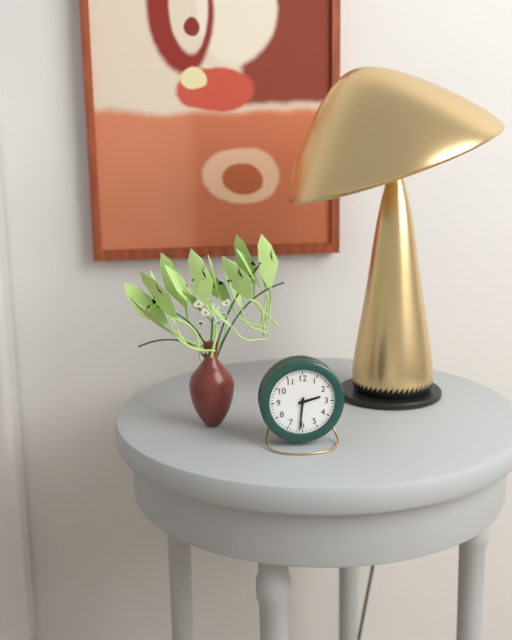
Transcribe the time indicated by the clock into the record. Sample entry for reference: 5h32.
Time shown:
2h31
